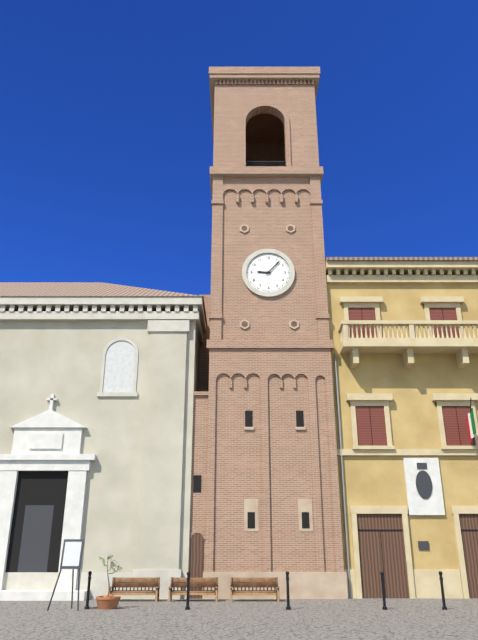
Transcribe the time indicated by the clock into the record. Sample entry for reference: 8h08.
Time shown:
9h07
